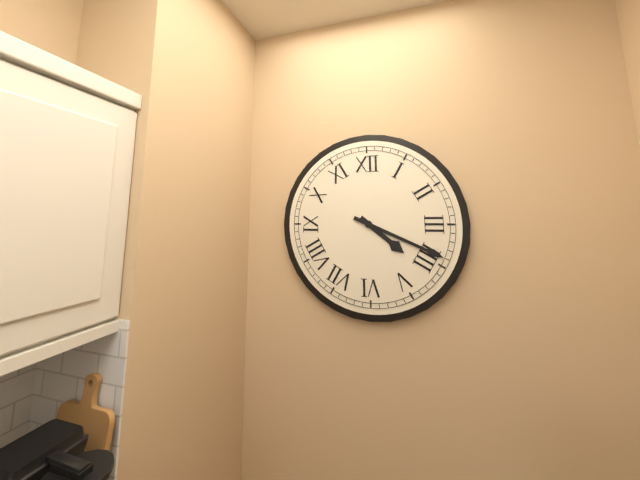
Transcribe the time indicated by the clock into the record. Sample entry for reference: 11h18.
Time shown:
4h19
